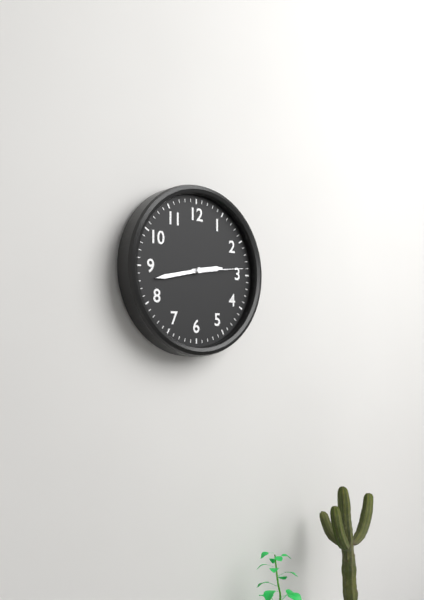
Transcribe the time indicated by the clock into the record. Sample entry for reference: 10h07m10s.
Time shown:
2h43m14s
